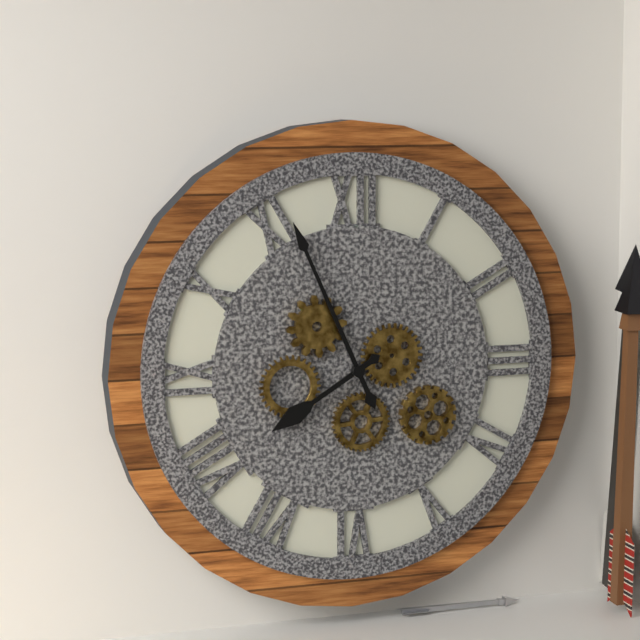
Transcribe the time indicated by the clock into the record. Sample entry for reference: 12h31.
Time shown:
7h56
